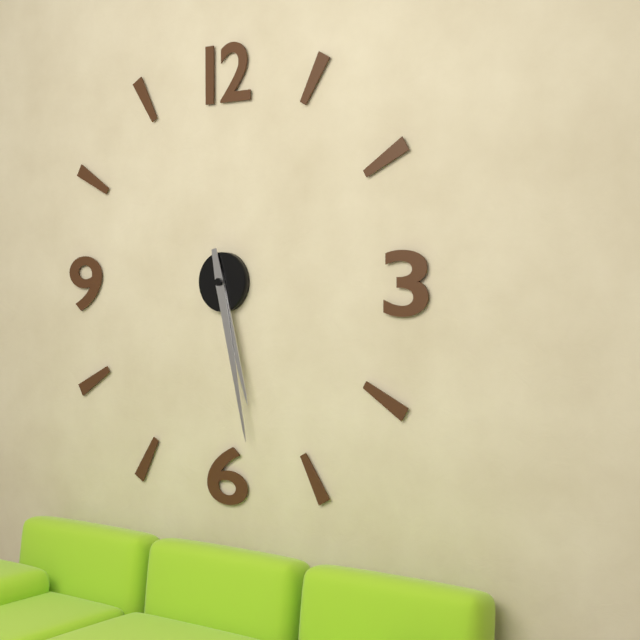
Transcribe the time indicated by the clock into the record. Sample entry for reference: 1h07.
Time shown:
5h28
